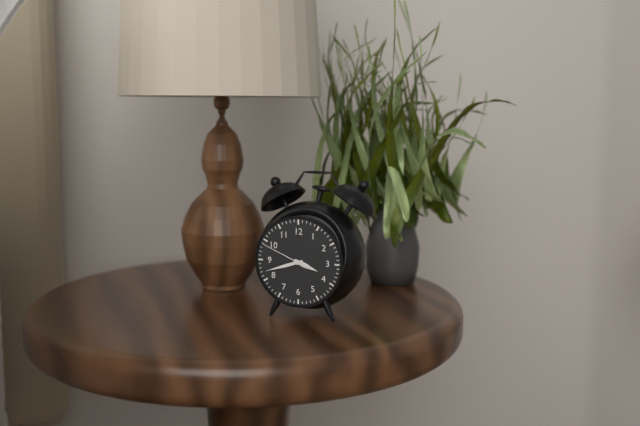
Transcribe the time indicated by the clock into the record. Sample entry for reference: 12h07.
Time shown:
3h42
